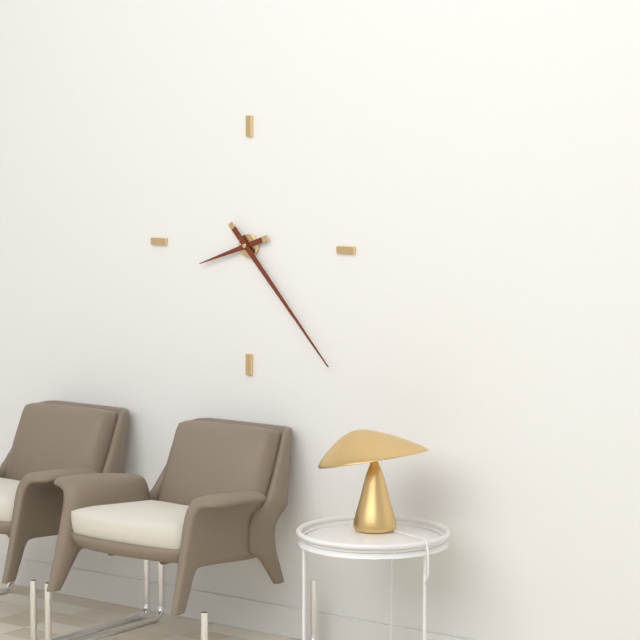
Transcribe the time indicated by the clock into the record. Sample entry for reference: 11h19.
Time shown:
8h23
